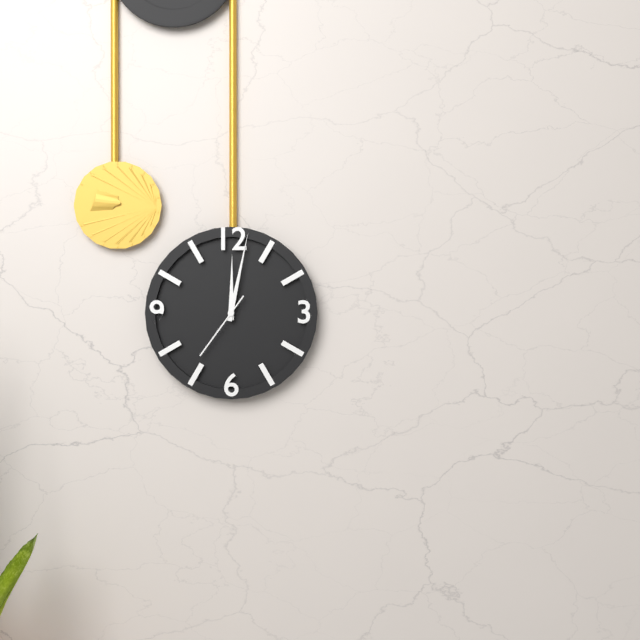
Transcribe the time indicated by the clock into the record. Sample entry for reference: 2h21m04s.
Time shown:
12h02m36s
